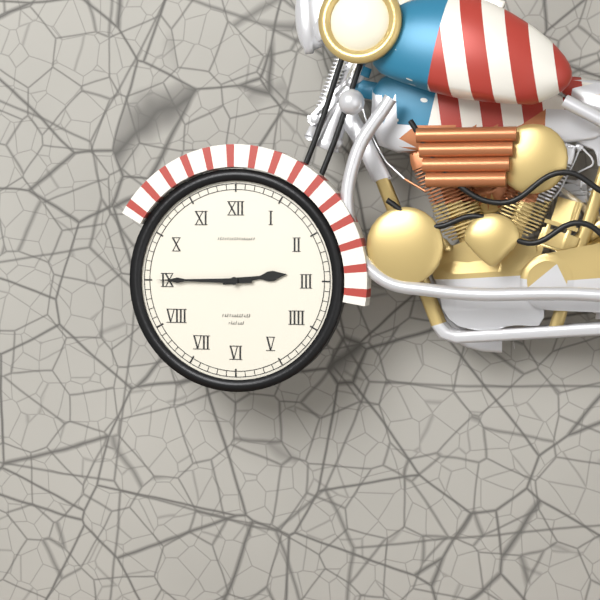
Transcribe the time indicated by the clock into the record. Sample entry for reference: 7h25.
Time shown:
2h45
